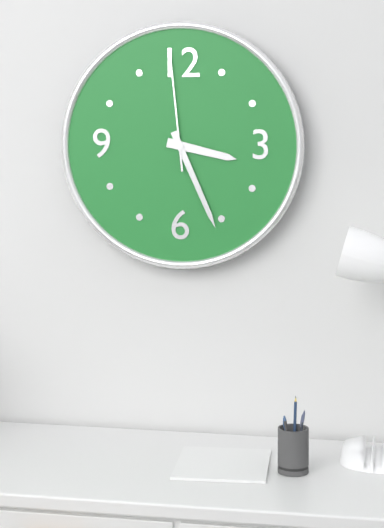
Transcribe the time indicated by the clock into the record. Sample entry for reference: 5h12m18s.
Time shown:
3h26m59s
